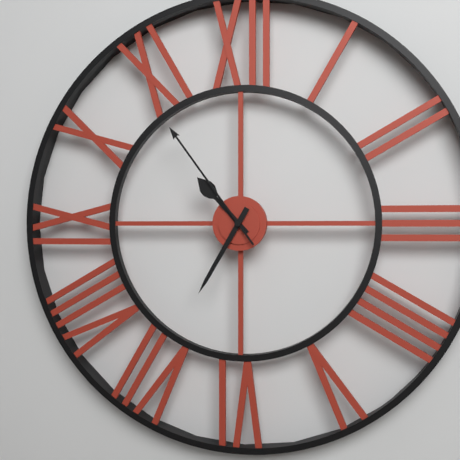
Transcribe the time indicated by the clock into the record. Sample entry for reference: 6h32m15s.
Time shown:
10h35m54s
